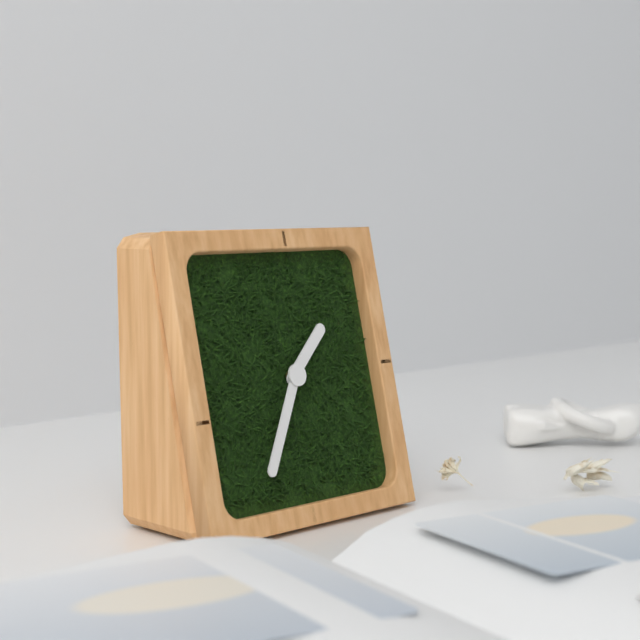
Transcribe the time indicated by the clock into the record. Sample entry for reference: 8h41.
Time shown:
1h35
